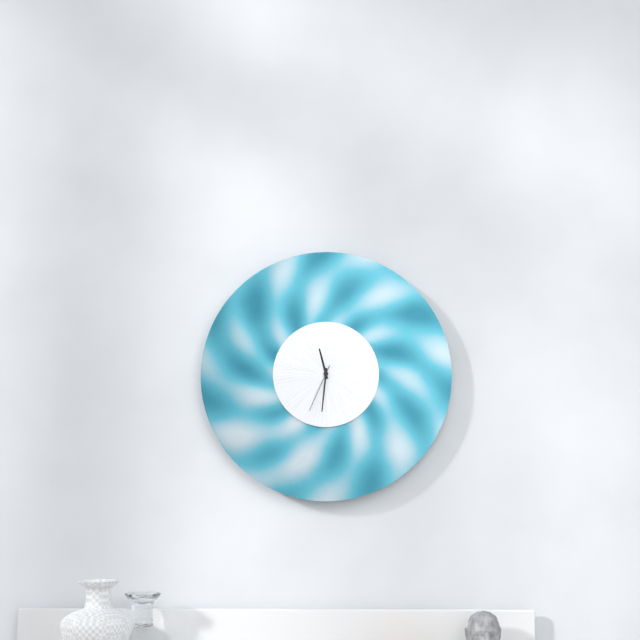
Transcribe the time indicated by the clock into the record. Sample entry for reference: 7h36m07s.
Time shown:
11h31m34s
